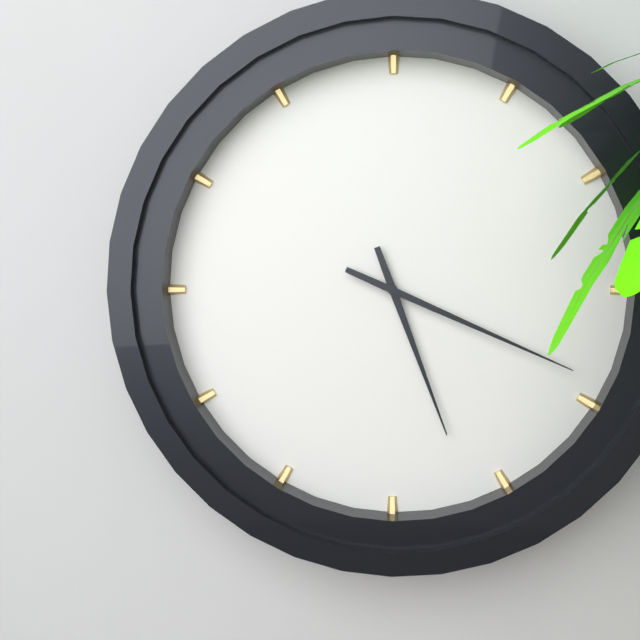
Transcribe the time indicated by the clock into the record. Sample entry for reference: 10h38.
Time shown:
5h19
